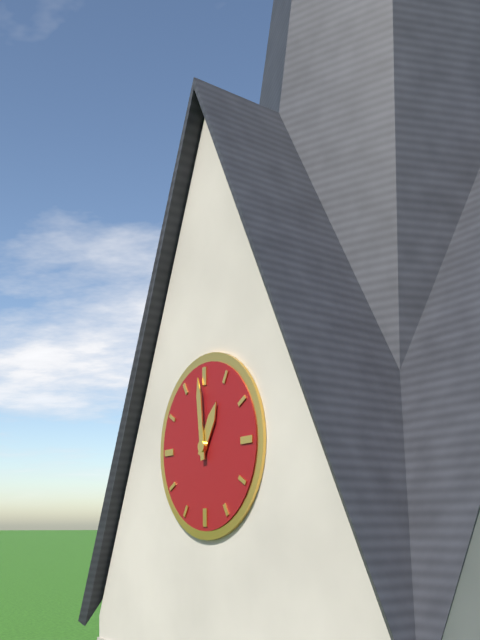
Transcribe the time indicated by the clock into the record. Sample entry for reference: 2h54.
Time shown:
12h59
